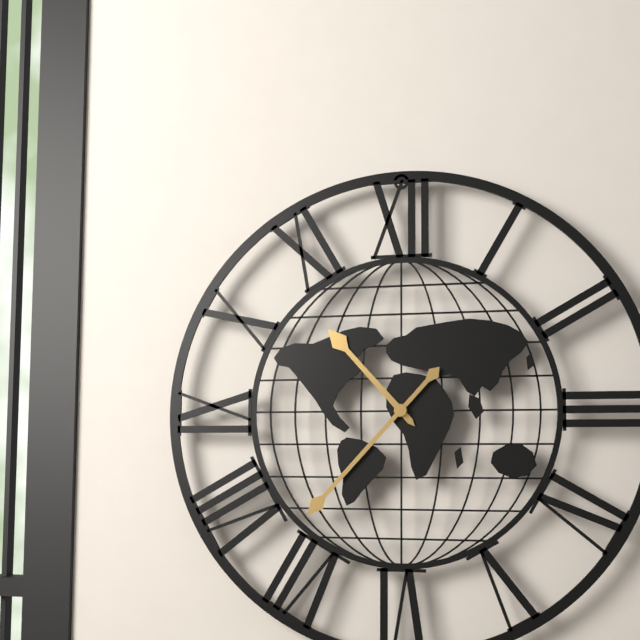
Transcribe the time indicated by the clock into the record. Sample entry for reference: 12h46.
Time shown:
10h37
